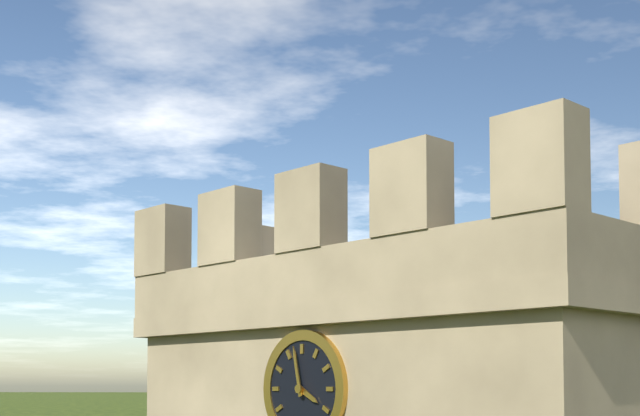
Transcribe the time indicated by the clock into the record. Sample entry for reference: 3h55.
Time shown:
3h58
